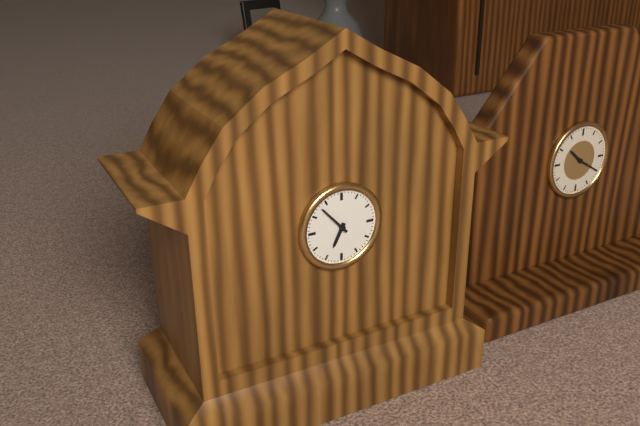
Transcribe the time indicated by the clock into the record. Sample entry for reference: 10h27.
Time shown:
6h53
